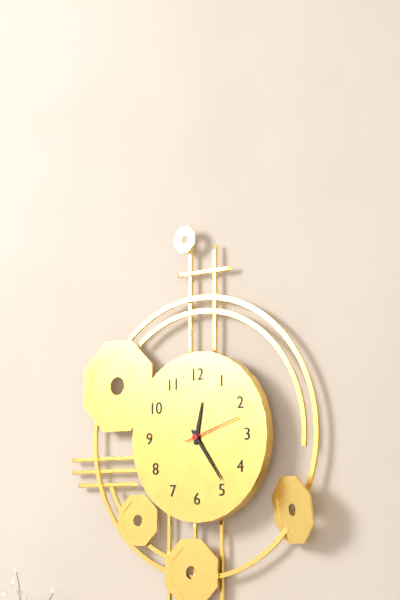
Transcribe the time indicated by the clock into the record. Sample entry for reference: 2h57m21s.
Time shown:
12h24m12s
